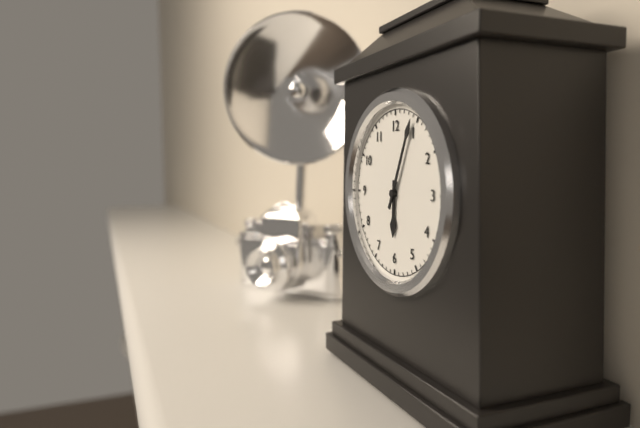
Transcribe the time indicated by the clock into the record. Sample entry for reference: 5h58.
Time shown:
6h04
